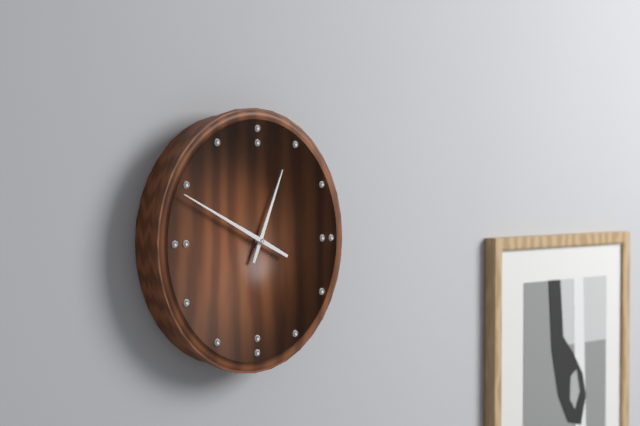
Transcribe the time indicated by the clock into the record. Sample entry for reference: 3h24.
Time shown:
12h49
